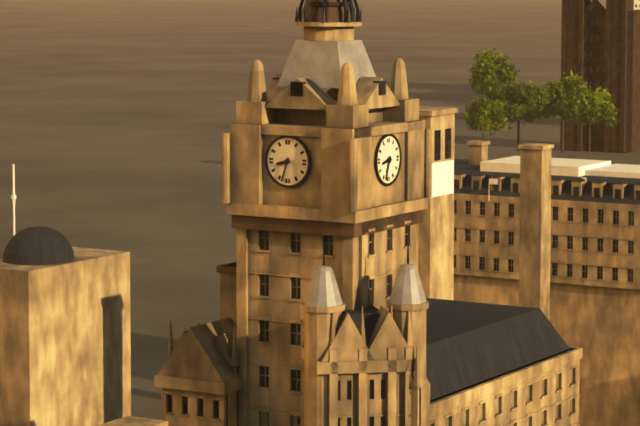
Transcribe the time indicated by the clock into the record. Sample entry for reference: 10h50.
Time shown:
8h33
